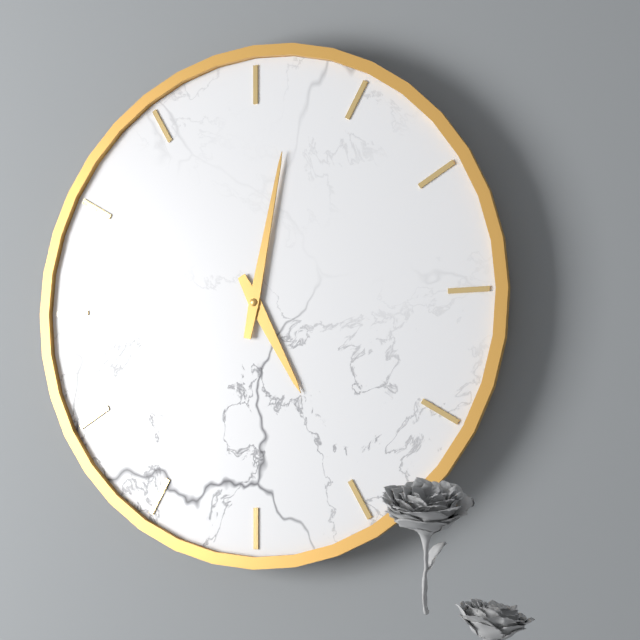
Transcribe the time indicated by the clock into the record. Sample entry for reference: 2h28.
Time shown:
5h02
